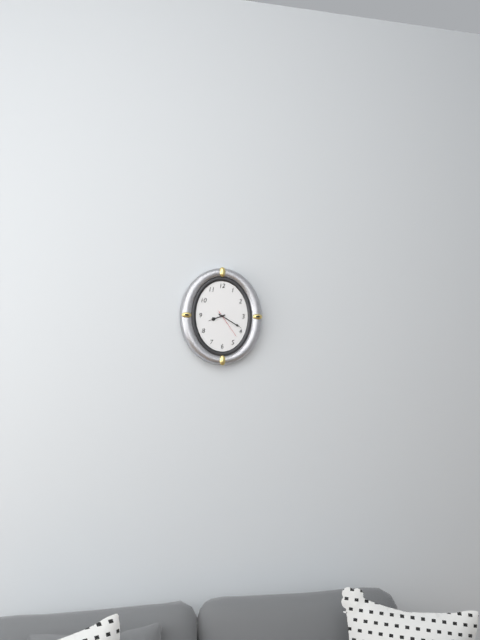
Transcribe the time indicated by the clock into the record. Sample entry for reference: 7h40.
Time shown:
8h20
